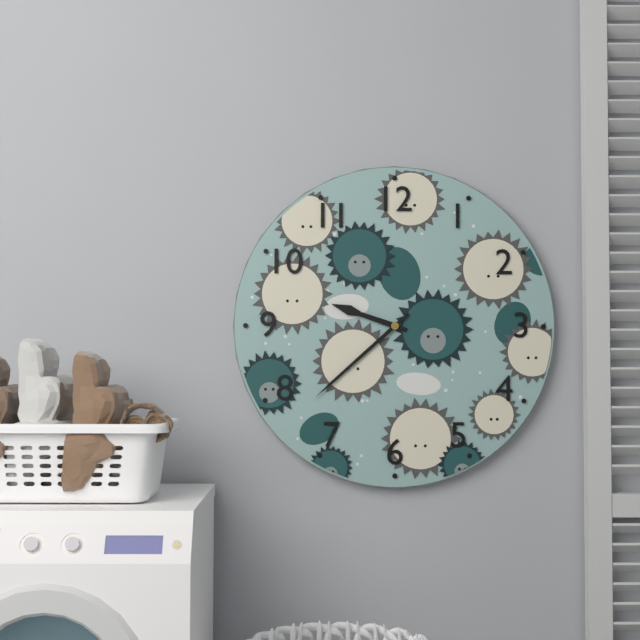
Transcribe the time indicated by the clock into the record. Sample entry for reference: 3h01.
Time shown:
9h38
